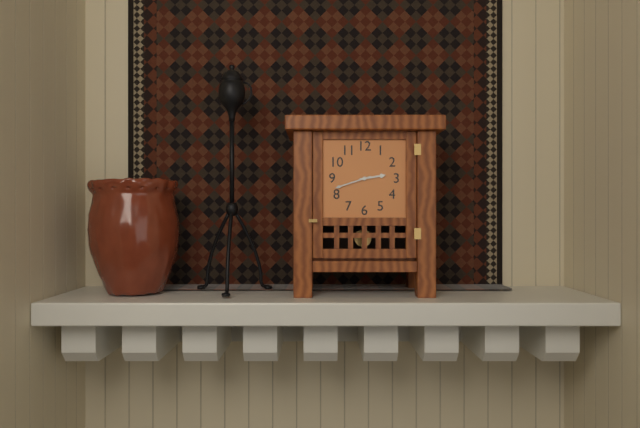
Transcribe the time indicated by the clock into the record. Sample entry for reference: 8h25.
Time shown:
2h42
